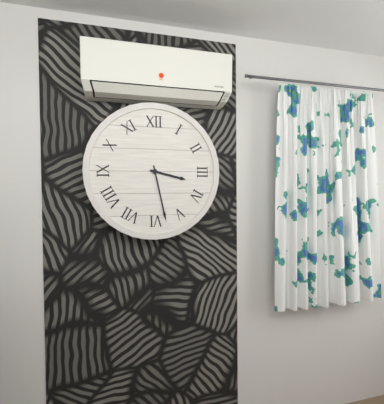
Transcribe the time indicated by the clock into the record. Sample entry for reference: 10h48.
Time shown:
3h28
